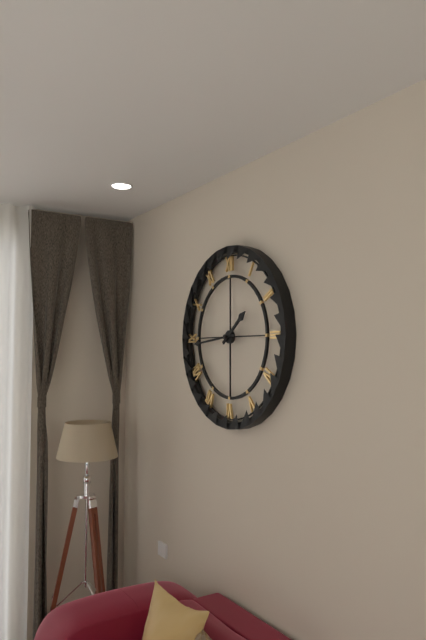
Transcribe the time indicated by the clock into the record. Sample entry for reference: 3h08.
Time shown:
1h44
